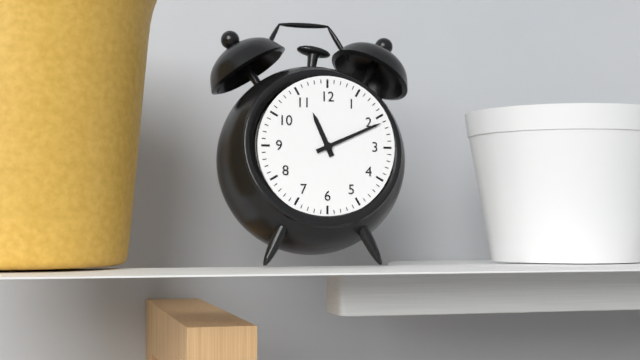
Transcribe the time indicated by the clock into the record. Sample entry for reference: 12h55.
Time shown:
11h11
